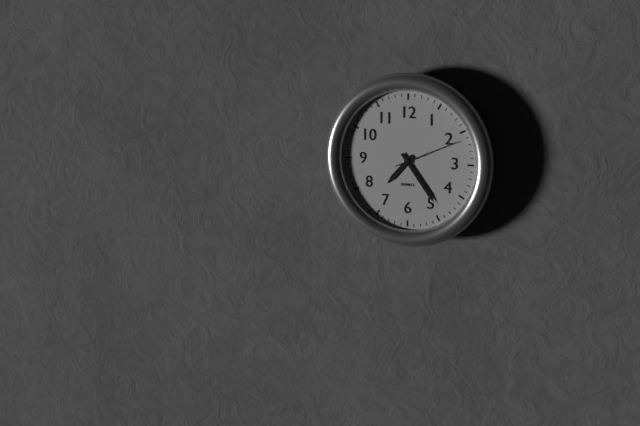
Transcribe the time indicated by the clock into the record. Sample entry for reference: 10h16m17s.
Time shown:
7h24m11s
